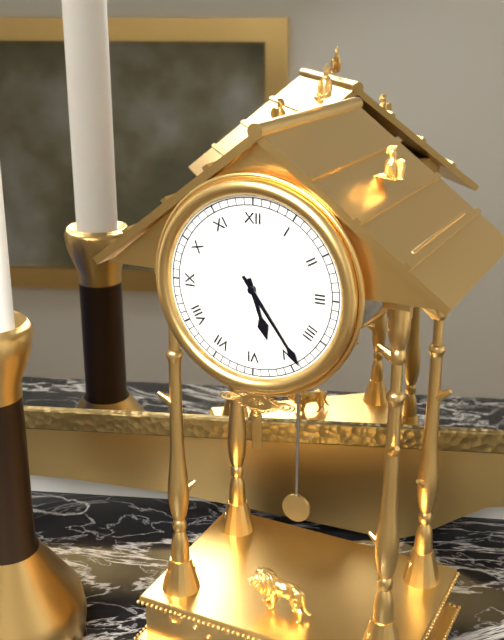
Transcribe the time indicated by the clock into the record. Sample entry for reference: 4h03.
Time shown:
5h24
